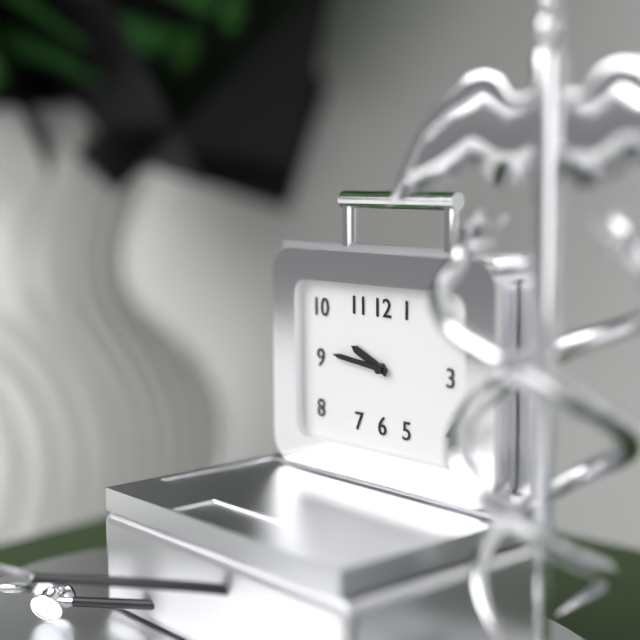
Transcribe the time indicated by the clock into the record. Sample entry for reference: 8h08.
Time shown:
9h46
